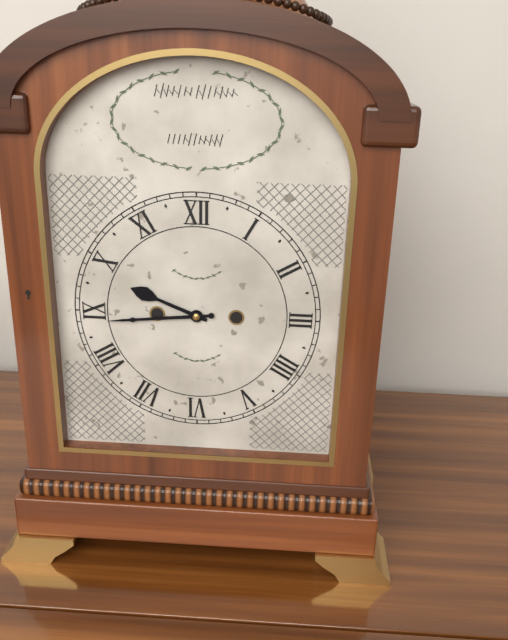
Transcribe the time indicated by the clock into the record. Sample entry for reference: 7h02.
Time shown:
9h44
